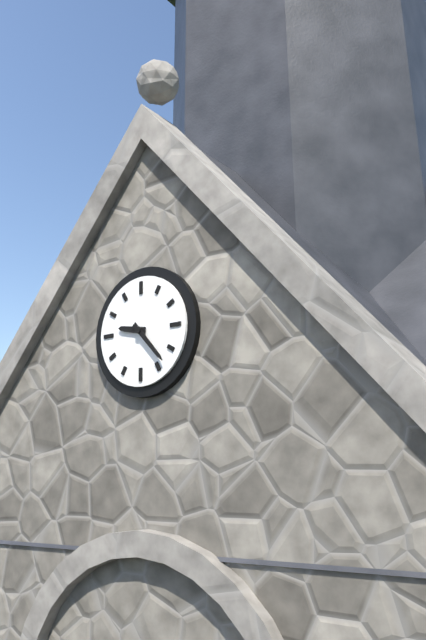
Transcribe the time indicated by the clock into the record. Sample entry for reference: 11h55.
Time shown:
9h23
